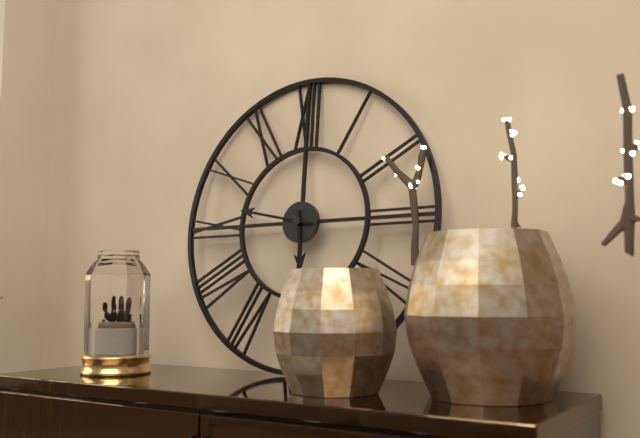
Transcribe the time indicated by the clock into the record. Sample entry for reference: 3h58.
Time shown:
5h47
